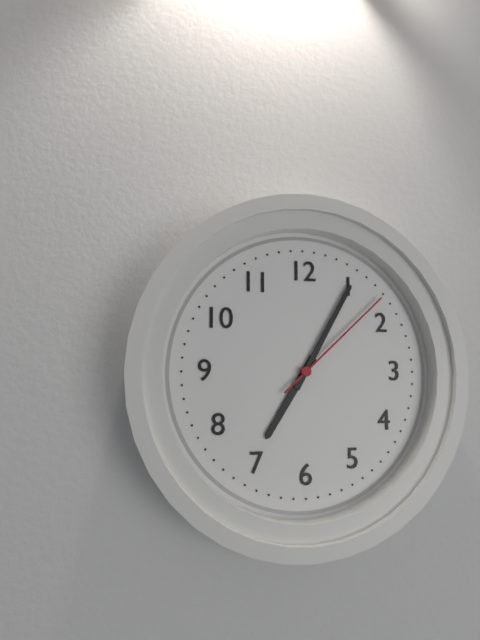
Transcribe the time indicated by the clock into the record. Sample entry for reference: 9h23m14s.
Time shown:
7h05m08s
